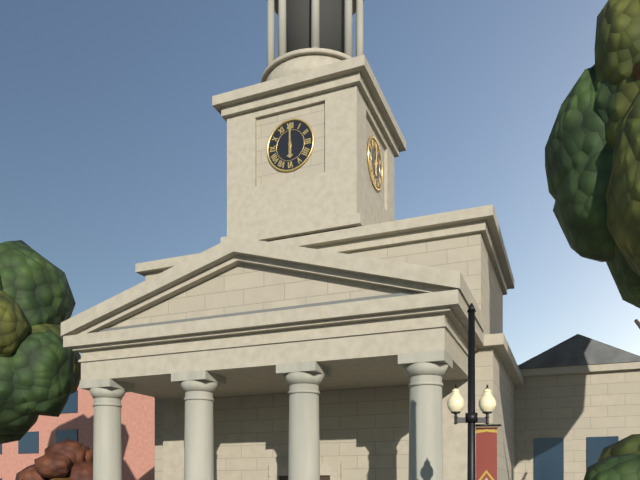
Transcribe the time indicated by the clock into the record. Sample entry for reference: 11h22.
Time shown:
6h00
